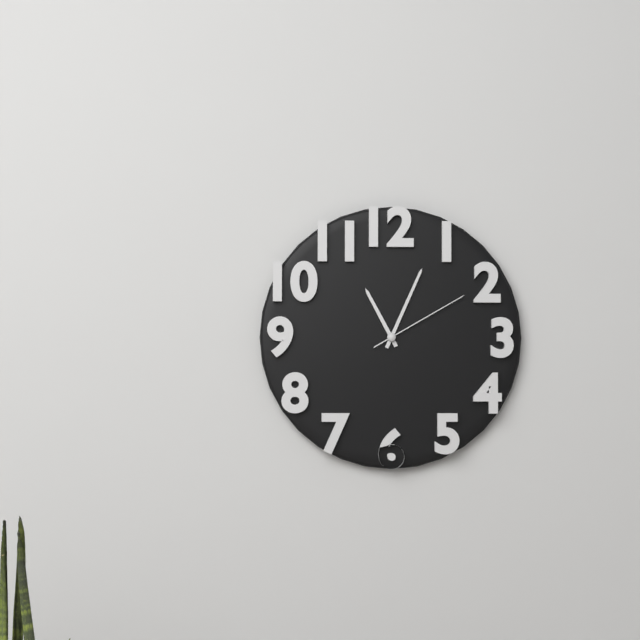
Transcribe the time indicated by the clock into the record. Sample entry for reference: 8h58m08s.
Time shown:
11h04m10s
